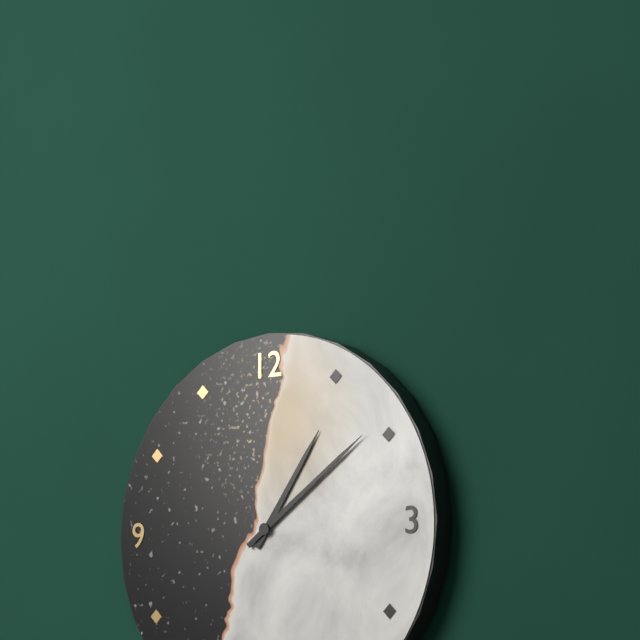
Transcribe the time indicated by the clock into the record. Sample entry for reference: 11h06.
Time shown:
1h09
